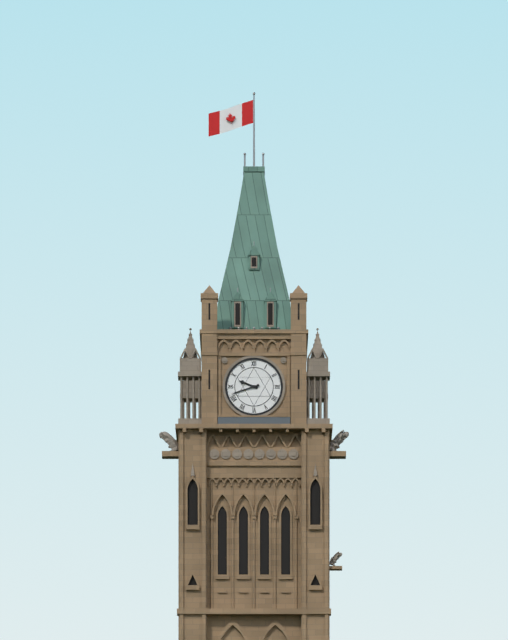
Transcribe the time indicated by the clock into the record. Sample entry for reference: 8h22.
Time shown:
9h42
